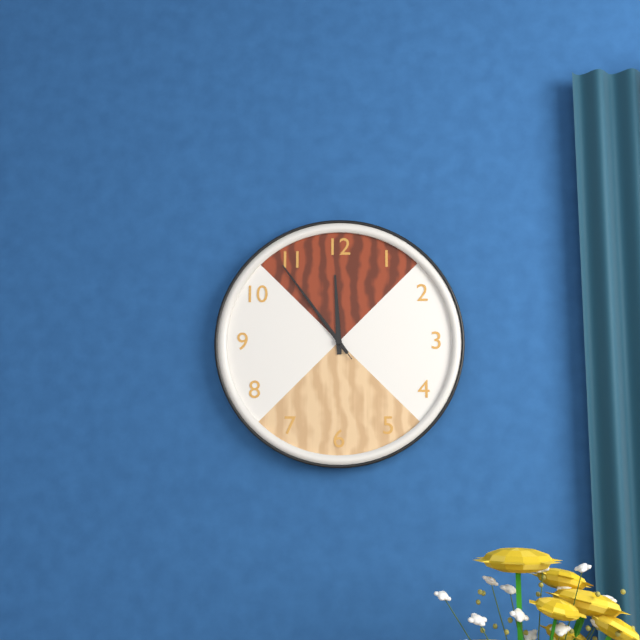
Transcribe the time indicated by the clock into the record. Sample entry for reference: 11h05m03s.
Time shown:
11h54m54s
